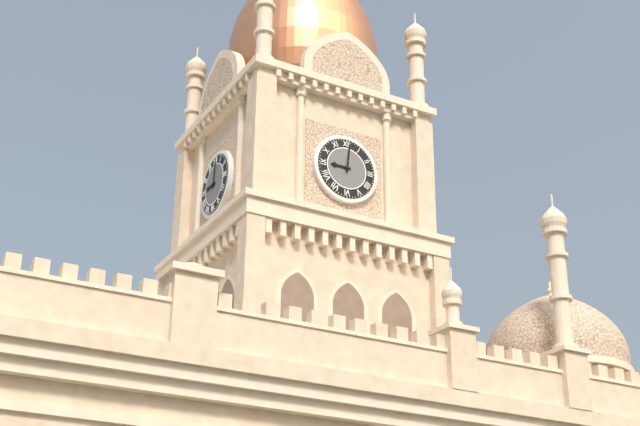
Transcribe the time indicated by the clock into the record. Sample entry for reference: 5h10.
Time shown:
9h01
